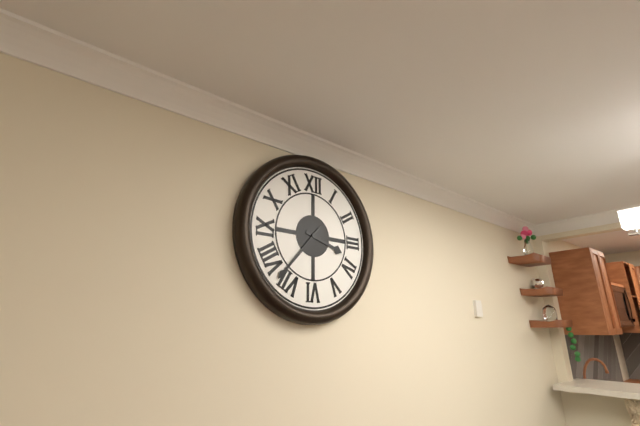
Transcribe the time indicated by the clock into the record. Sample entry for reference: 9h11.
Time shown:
3h37
